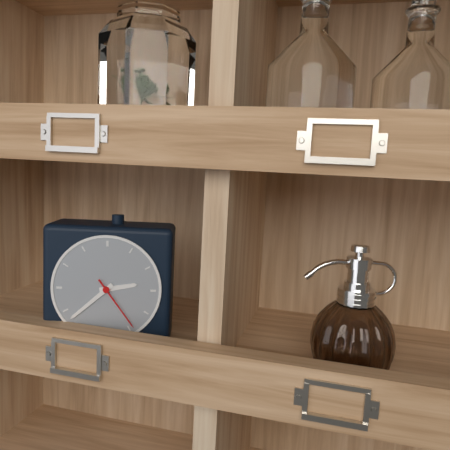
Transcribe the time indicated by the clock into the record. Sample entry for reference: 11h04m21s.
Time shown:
2h38m24s
